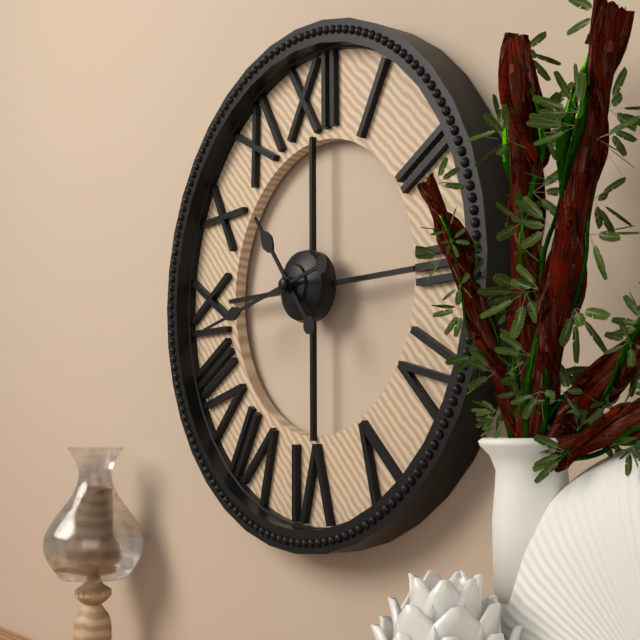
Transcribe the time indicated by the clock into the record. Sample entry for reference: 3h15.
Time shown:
10h43
